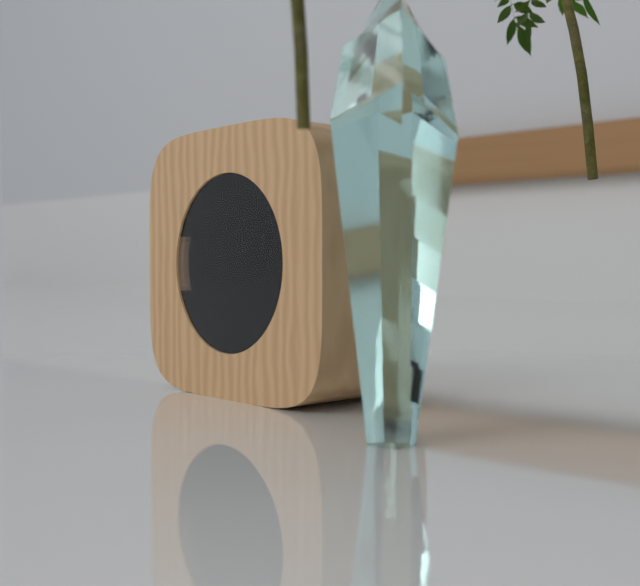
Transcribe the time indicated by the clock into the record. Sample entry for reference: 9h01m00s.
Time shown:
2h48m16s
